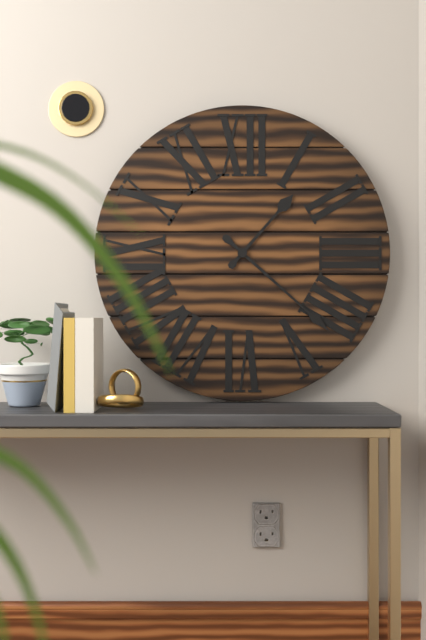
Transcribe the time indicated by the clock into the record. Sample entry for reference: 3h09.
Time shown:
1h22
